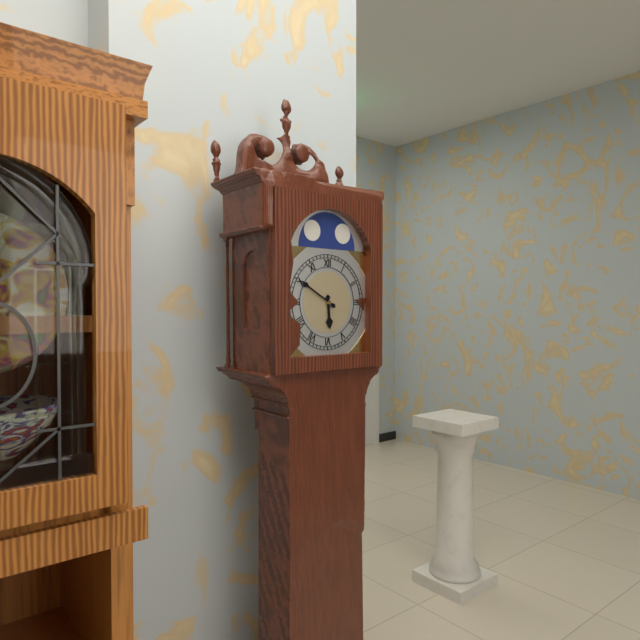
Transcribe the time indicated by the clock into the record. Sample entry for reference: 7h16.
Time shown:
5h50
